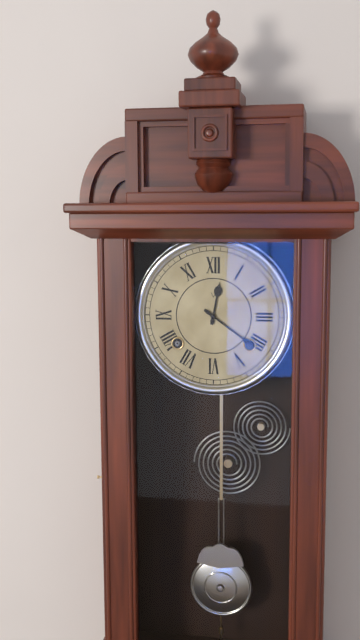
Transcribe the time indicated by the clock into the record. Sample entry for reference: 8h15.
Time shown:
12h21
